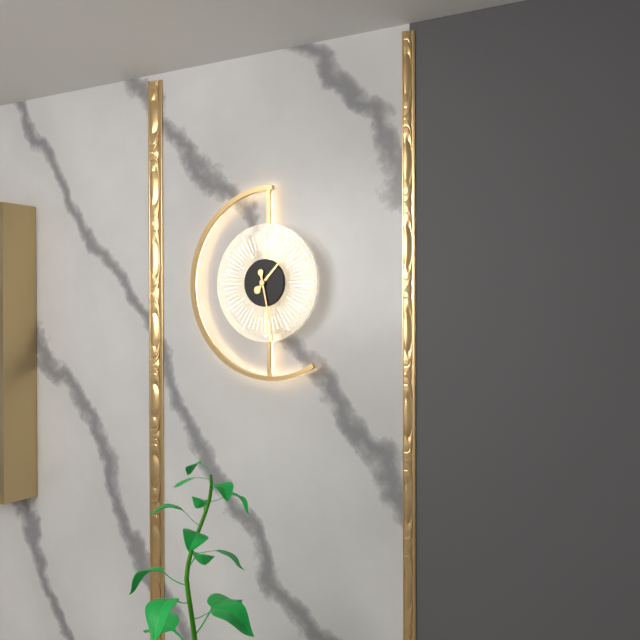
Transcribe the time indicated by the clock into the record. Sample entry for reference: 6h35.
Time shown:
1h28
